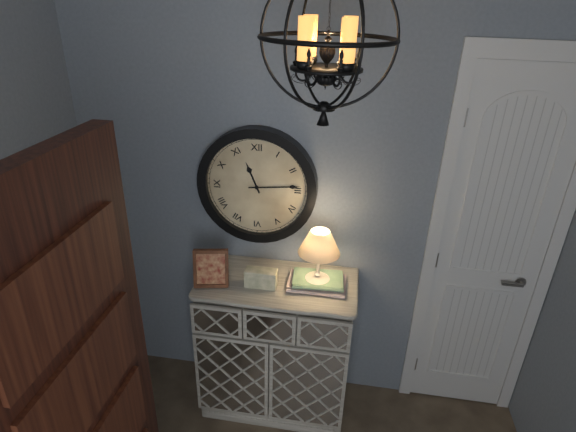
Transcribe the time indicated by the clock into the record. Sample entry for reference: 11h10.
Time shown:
11h14
